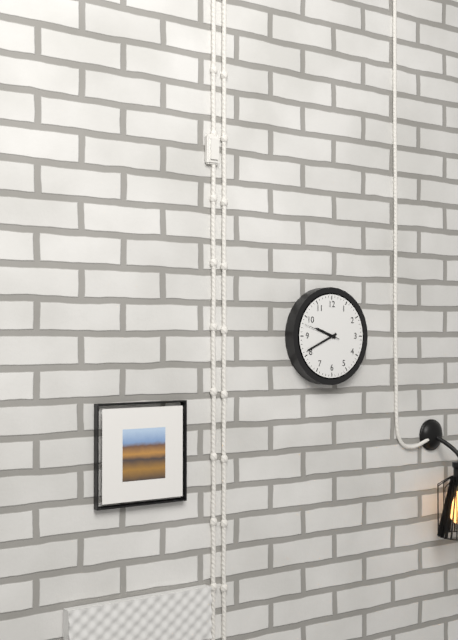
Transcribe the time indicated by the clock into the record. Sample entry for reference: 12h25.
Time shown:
9h41
